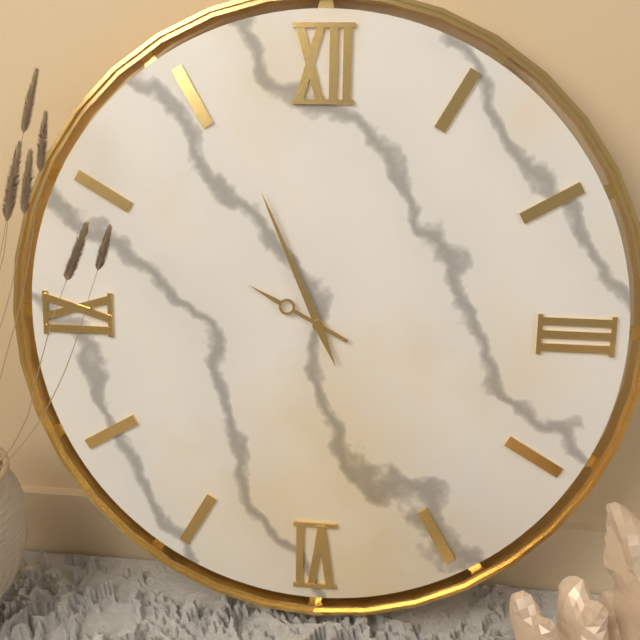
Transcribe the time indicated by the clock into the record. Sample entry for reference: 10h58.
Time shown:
9h56
